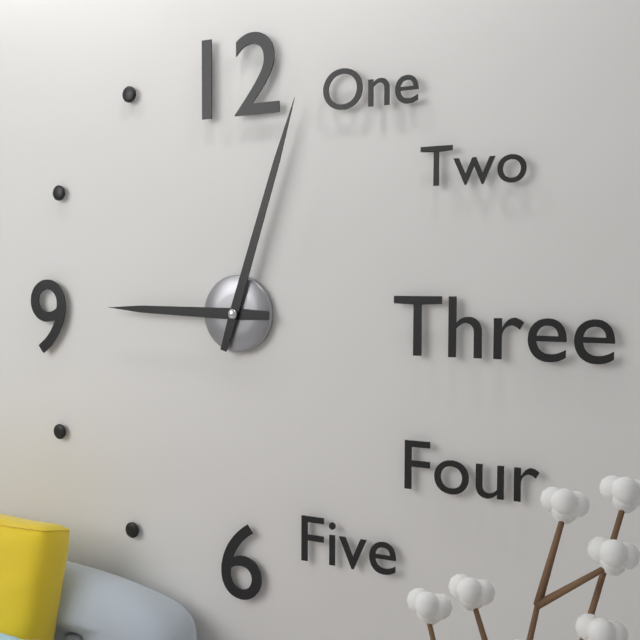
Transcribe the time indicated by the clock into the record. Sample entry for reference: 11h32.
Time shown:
9h03
